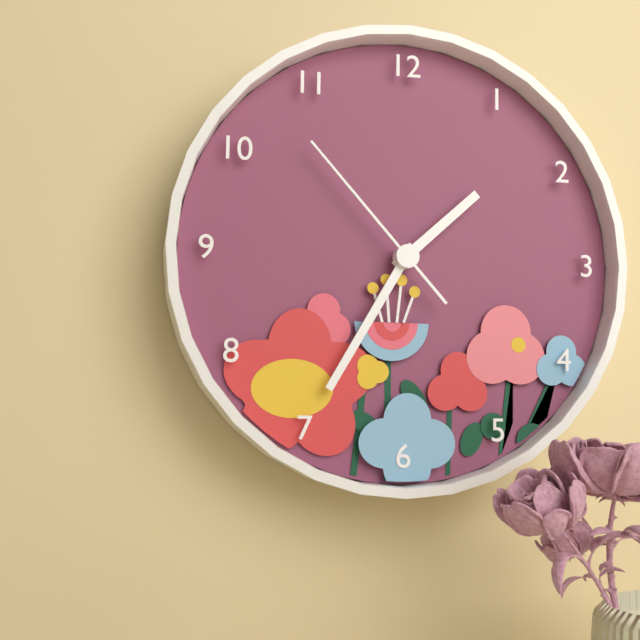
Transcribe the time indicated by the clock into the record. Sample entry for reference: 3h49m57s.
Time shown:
1h35m53s
